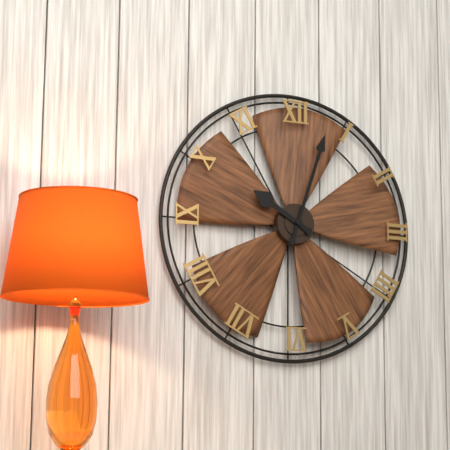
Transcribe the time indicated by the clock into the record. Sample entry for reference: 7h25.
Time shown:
10h03
